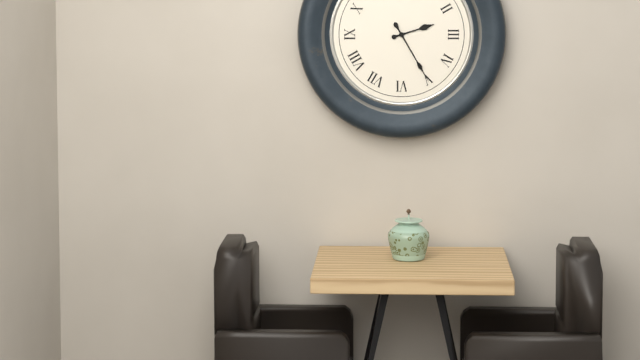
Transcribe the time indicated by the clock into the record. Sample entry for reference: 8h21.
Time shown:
2h25
